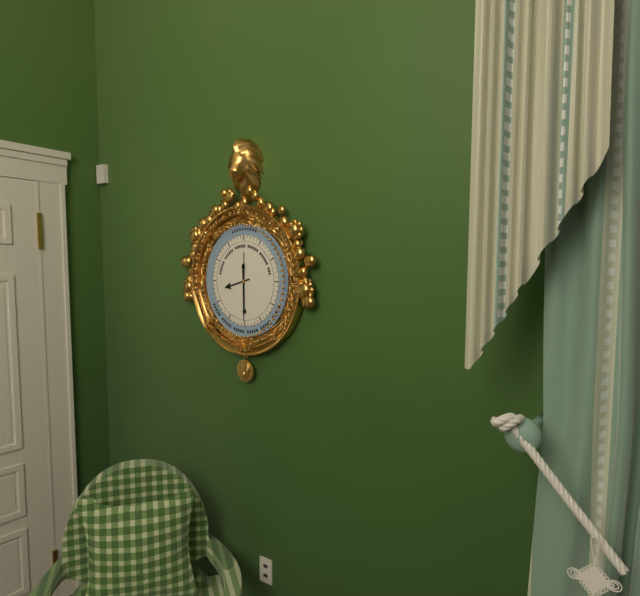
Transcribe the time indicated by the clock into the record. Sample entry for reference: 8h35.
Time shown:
8h30
